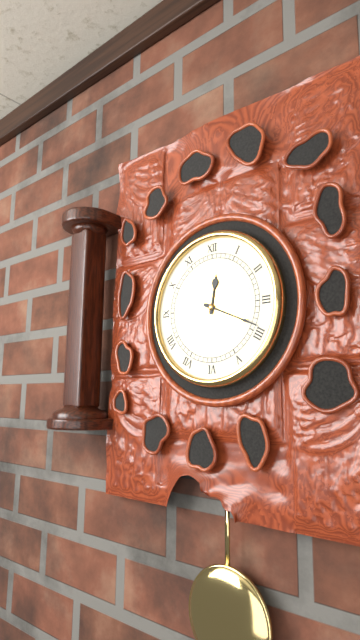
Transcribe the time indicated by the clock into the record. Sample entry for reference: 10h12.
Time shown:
12h19
